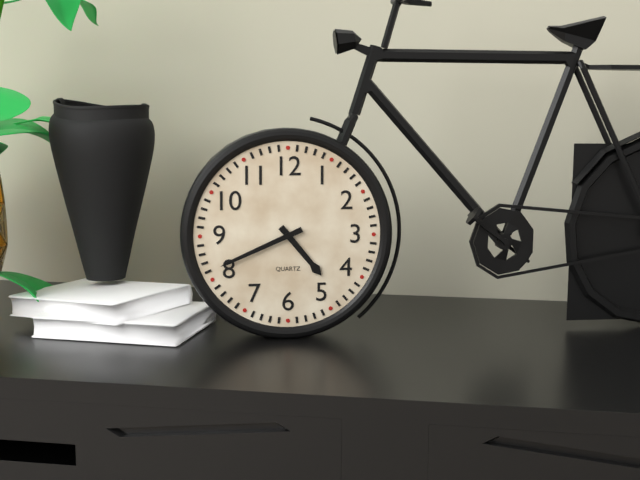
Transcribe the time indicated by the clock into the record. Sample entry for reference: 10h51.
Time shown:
4h41
